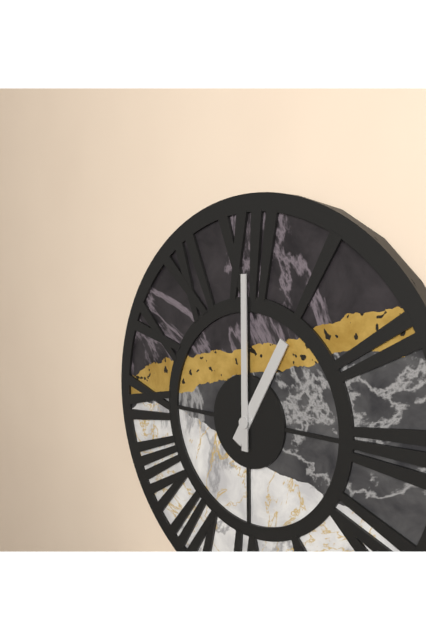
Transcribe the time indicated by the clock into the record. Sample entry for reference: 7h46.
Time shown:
1h00
